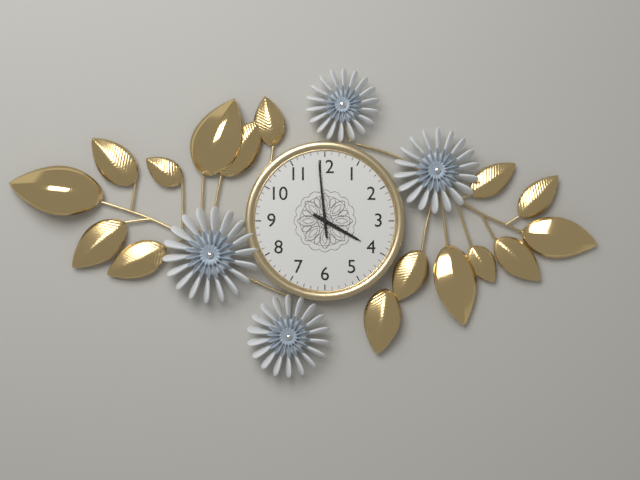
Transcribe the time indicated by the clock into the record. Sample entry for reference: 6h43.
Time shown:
3h59
